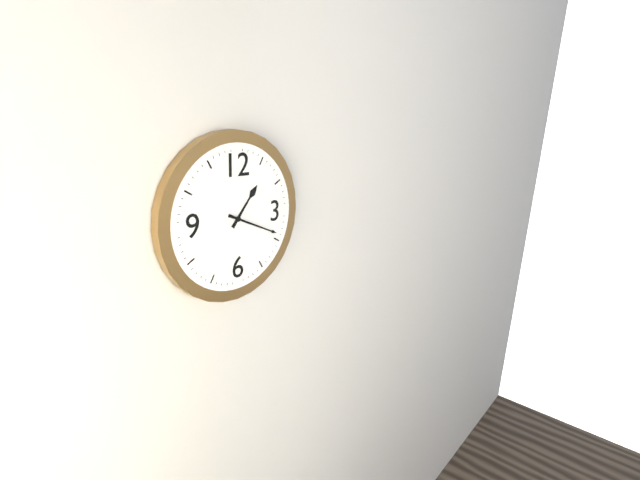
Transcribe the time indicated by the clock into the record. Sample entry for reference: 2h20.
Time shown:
1h19
